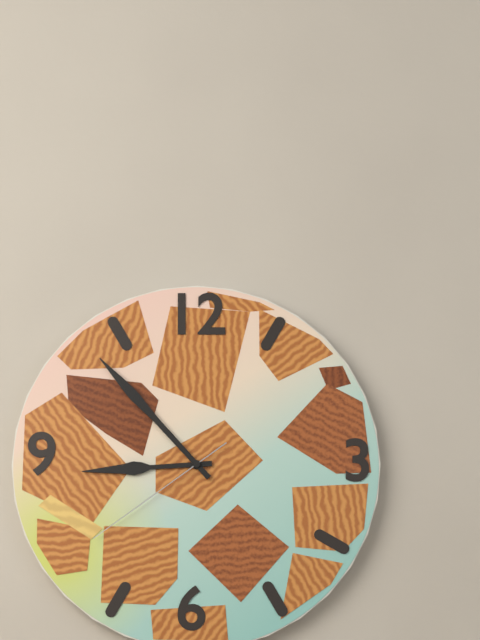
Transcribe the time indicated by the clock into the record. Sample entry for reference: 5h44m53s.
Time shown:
8h53m39s
